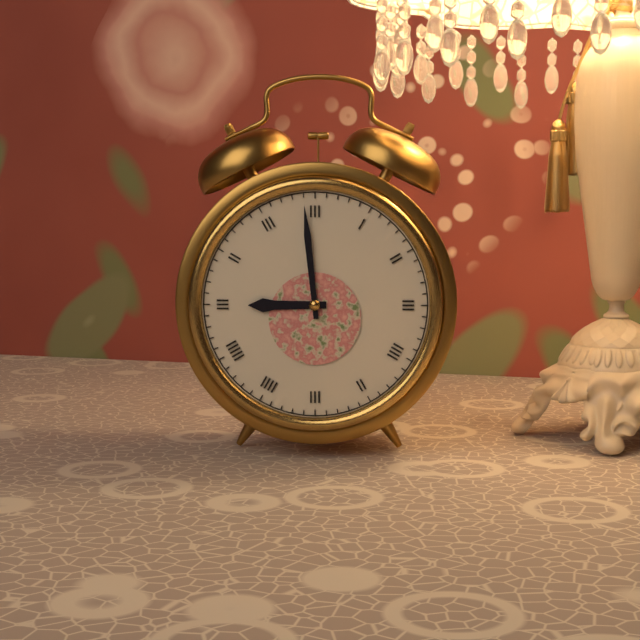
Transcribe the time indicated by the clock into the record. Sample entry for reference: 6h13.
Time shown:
8h59
